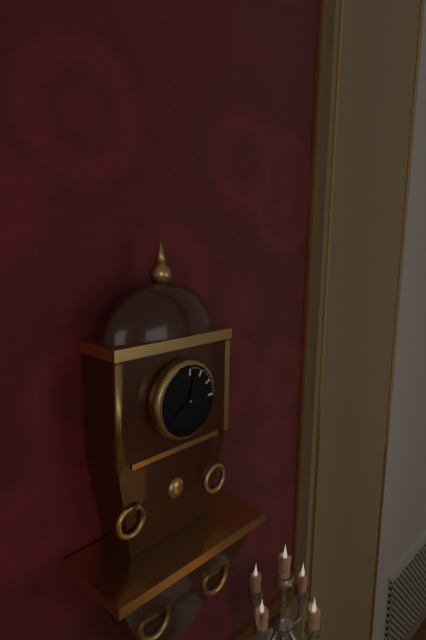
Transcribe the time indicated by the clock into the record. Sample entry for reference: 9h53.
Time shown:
8h02
